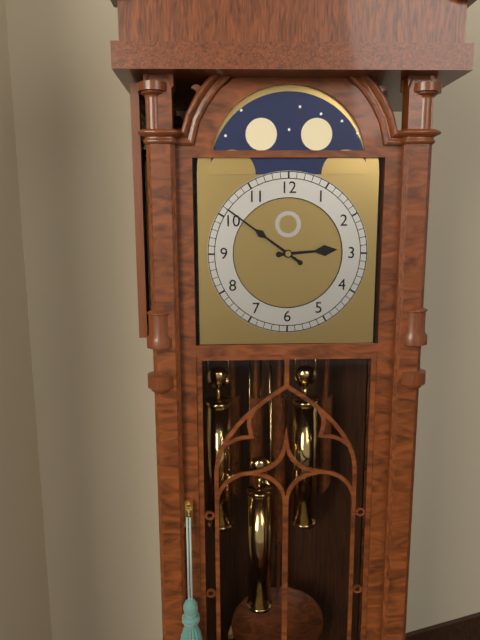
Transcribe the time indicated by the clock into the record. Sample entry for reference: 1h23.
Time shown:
2h51
